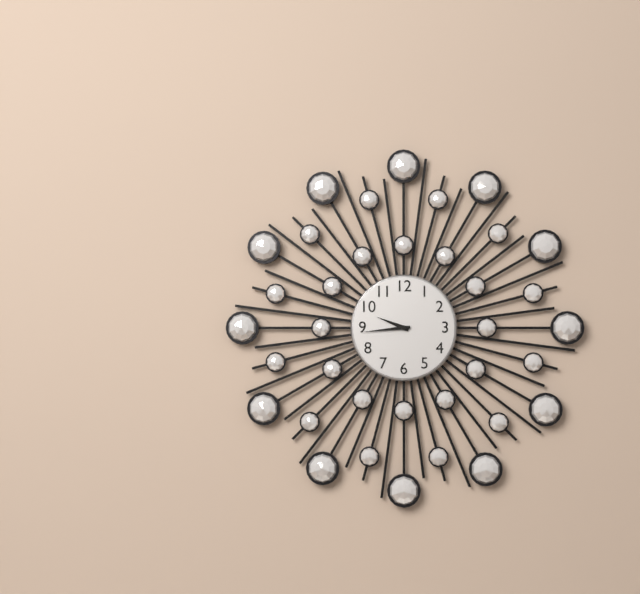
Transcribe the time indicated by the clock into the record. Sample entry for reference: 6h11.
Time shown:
9h44
